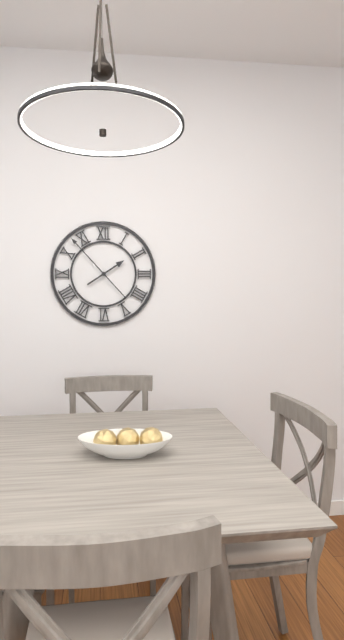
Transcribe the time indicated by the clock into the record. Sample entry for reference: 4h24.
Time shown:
1h53
